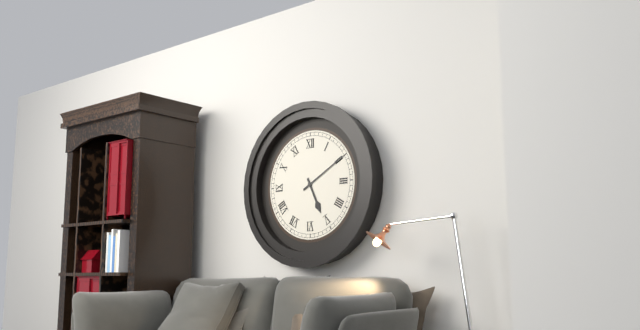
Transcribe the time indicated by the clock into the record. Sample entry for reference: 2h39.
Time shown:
5h10
